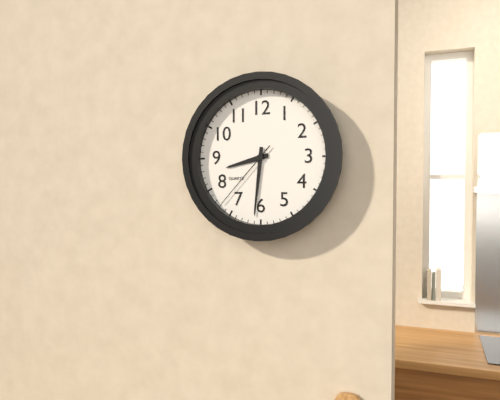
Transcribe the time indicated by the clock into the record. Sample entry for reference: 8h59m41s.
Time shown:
8h31m37s
